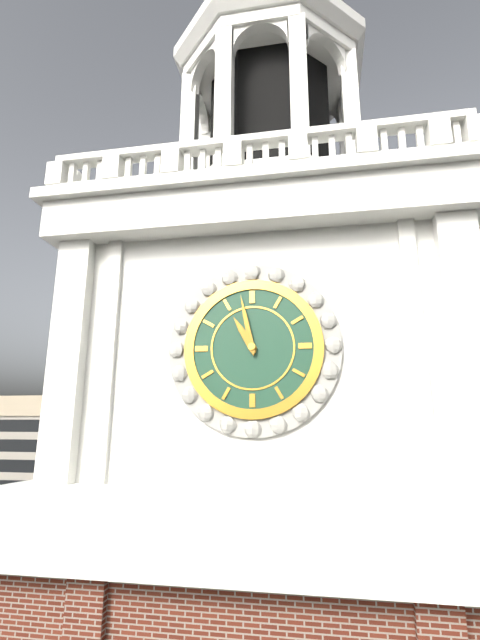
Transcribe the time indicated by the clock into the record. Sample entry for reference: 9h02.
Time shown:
10h58
